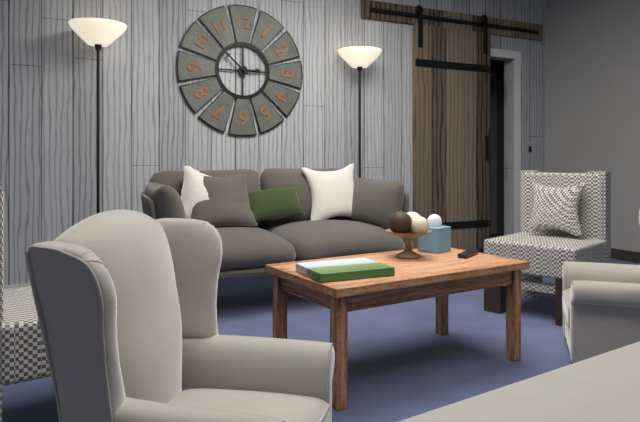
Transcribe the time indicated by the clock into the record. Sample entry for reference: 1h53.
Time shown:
2h52
